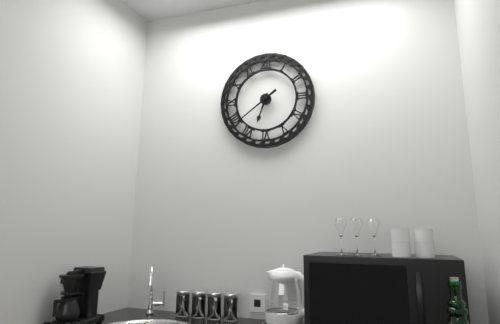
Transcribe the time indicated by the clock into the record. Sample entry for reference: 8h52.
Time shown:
6h39
